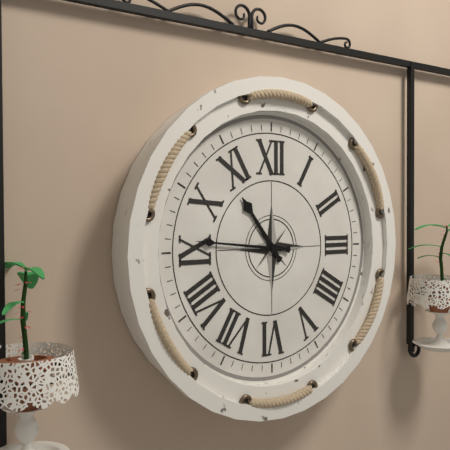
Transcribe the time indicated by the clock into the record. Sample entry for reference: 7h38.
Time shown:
10h46
